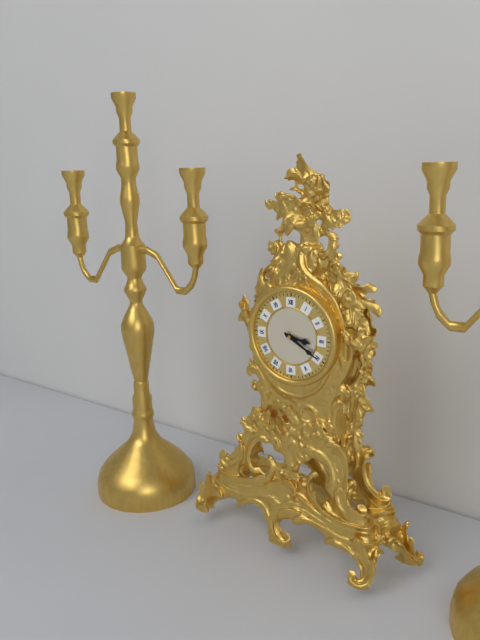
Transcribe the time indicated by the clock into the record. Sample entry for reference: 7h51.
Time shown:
3h20
